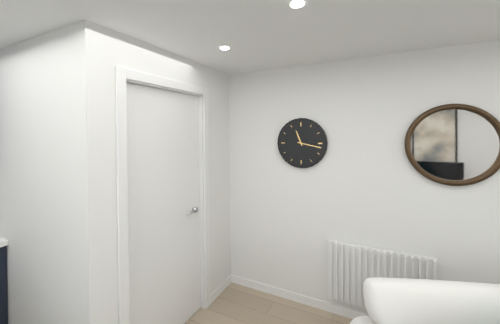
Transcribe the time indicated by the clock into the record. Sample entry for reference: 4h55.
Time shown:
11h17
